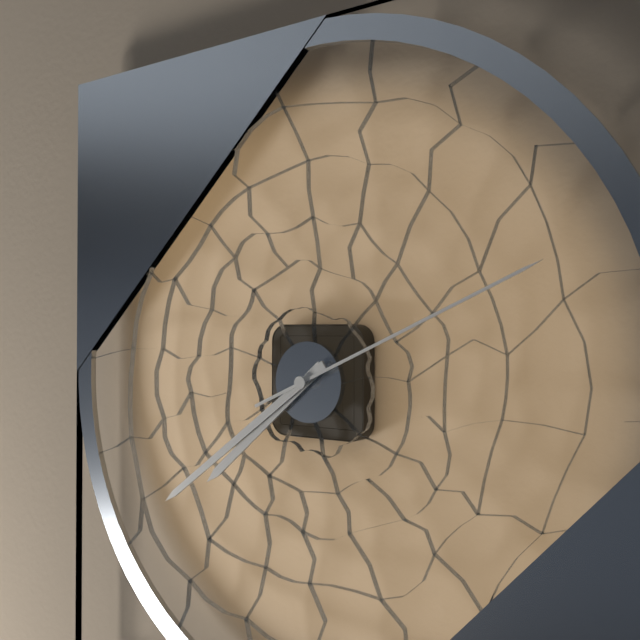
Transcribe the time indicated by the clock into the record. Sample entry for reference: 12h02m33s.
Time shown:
7h39m11s
